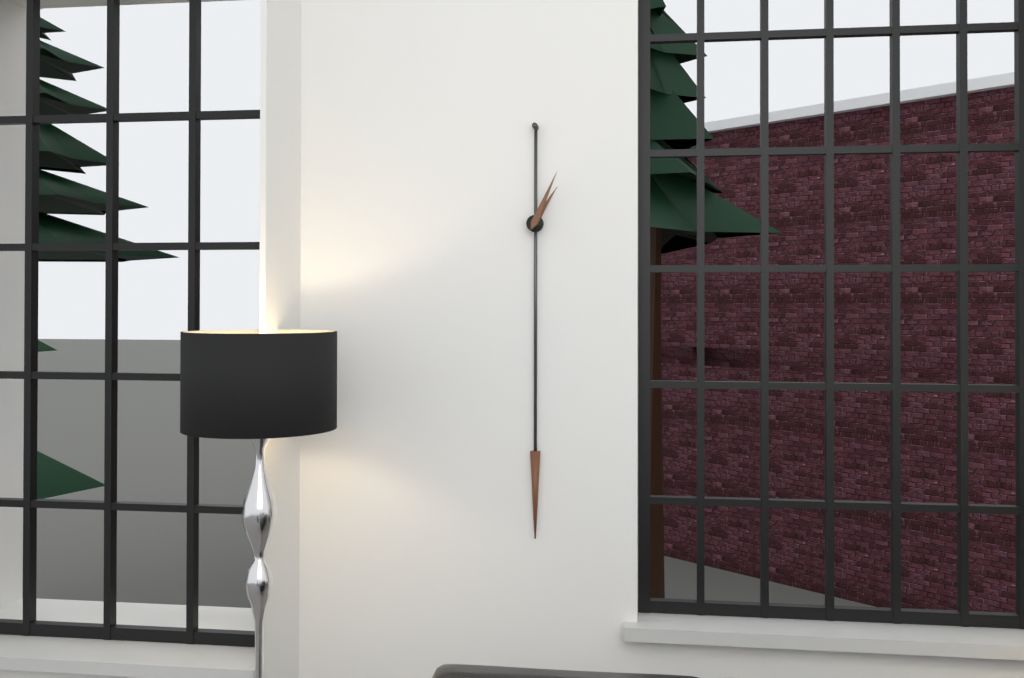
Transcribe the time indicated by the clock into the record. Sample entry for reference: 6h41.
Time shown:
1h04
